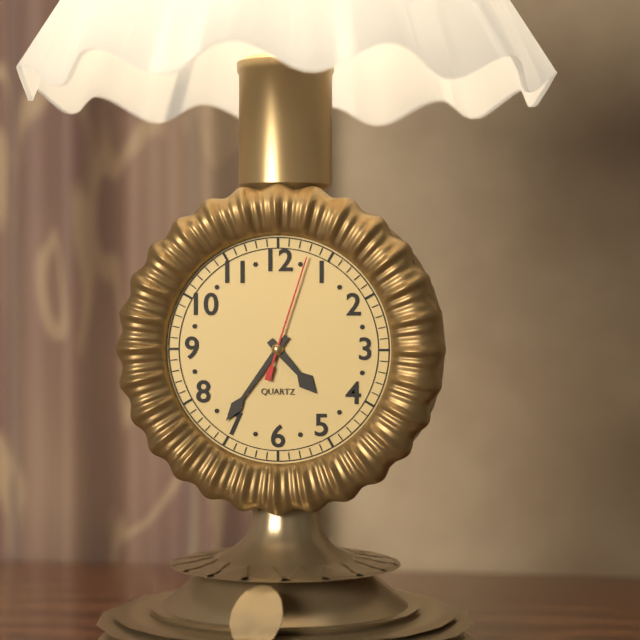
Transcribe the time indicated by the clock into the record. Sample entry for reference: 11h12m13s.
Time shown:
4h36m03s
